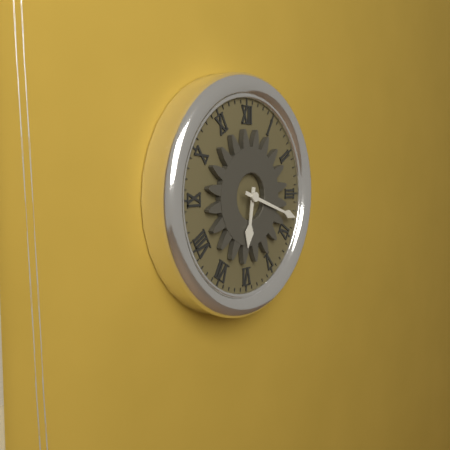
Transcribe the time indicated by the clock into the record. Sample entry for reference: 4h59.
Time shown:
6h18
